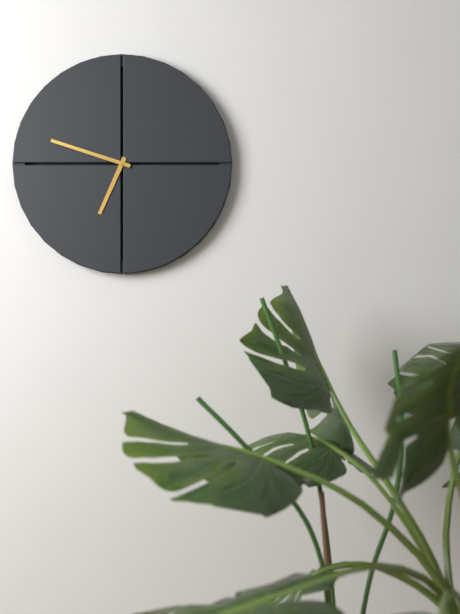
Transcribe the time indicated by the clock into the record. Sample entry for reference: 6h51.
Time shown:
6h48
